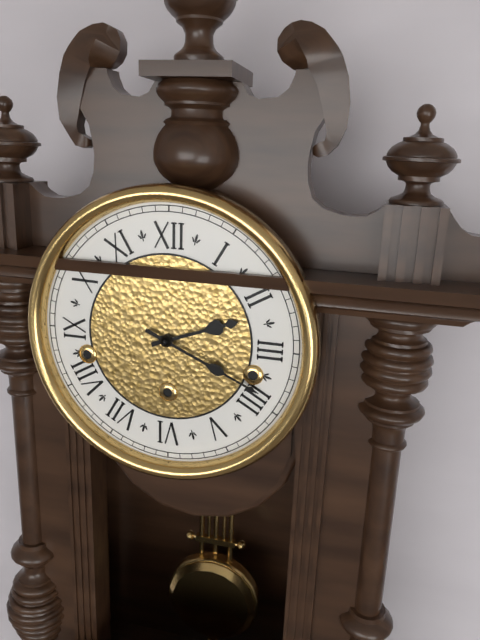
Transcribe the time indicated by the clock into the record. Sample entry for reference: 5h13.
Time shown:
2h19
